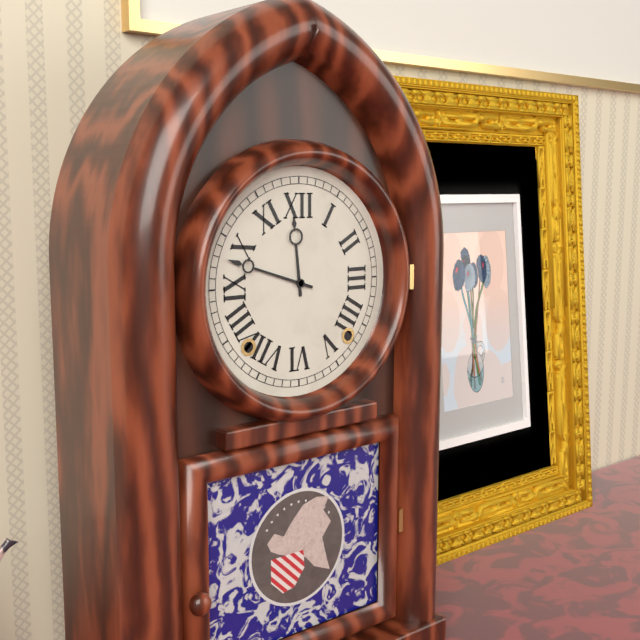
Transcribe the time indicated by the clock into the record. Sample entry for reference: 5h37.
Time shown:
11h48
